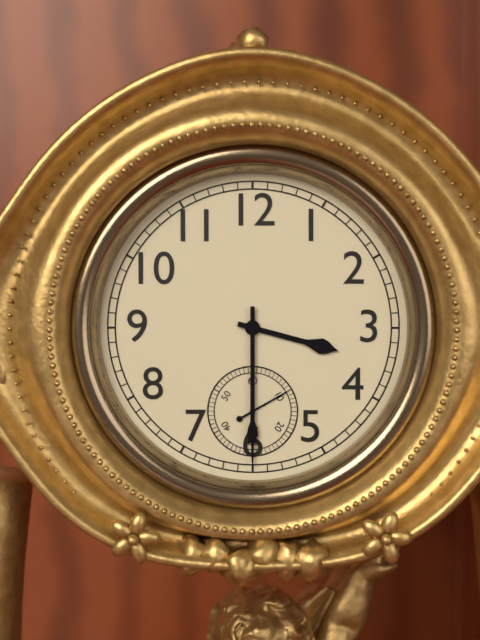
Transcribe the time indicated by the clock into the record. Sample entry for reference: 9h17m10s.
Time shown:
3h30m10s
